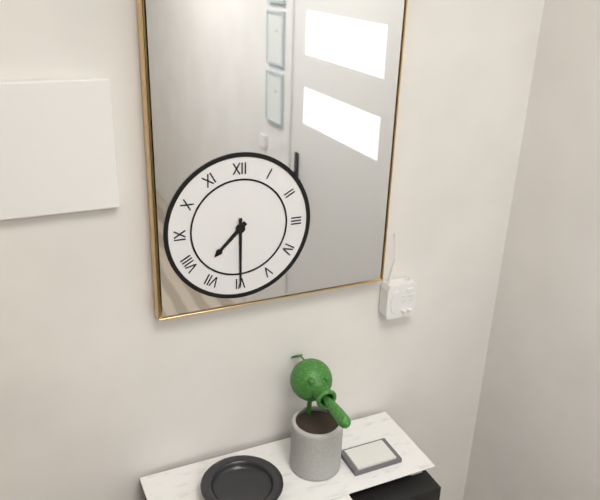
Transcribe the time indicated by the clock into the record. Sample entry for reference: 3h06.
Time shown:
7h30
